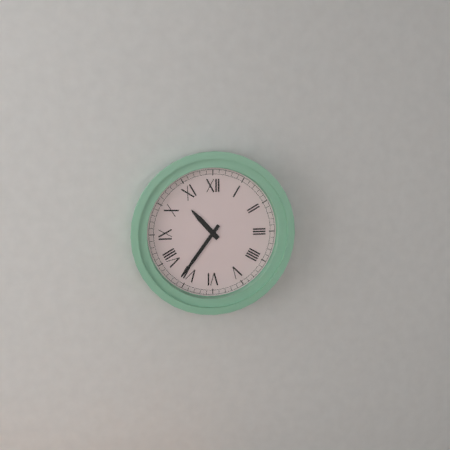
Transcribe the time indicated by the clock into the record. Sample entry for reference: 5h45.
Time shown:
10h36
